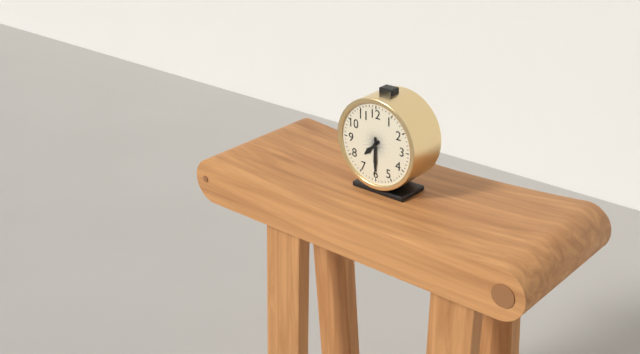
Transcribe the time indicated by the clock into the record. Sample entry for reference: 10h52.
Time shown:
7h30
